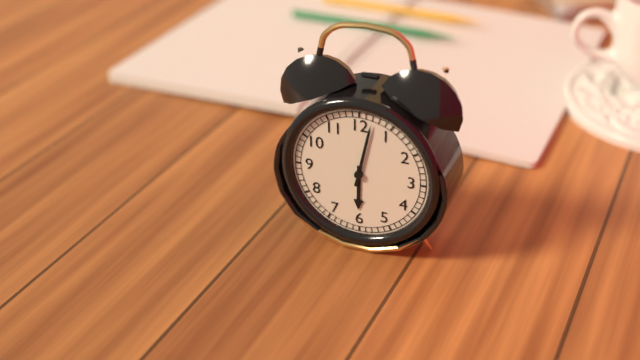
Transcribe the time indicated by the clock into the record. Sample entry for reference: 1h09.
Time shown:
6h02
